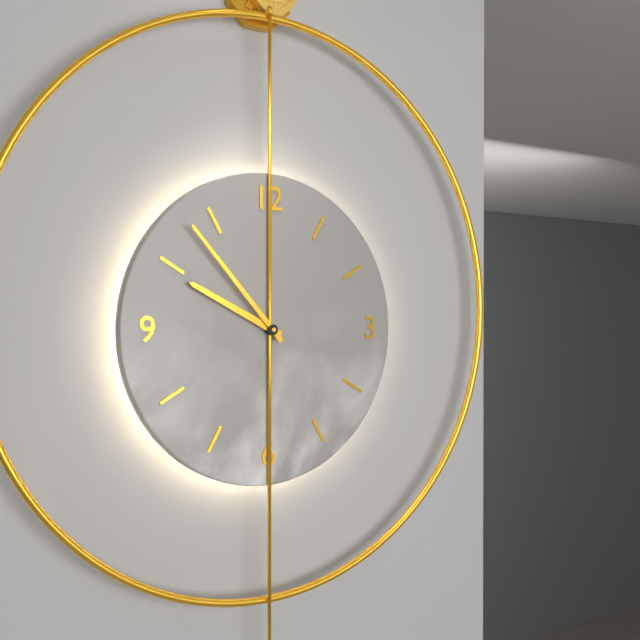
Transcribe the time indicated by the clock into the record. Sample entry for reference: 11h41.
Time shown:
9h53
